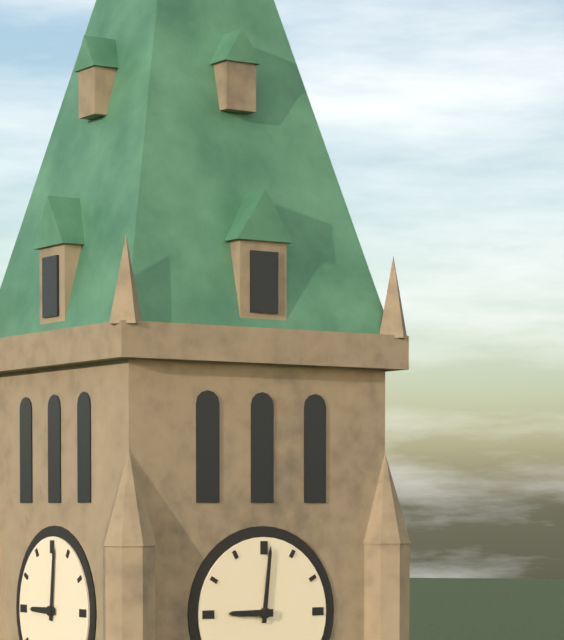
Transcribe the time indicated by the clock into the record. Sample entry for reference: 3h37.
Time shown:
9h01
